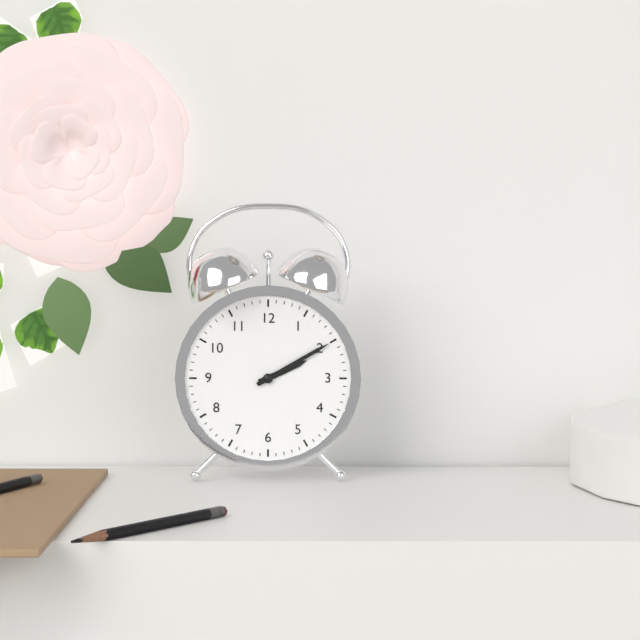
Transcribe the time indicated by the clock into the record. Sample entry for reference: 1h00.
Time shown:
2h10
